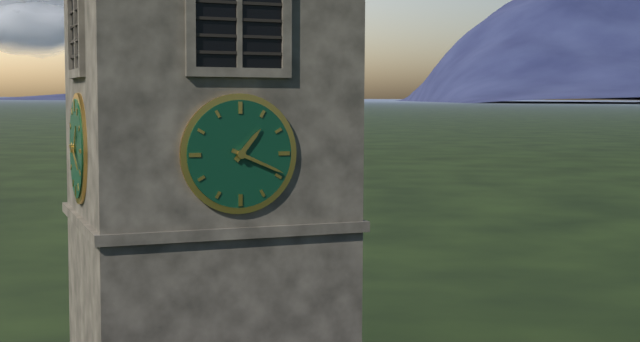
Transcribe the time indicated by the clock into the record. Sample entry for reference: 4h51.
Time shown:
1h19
